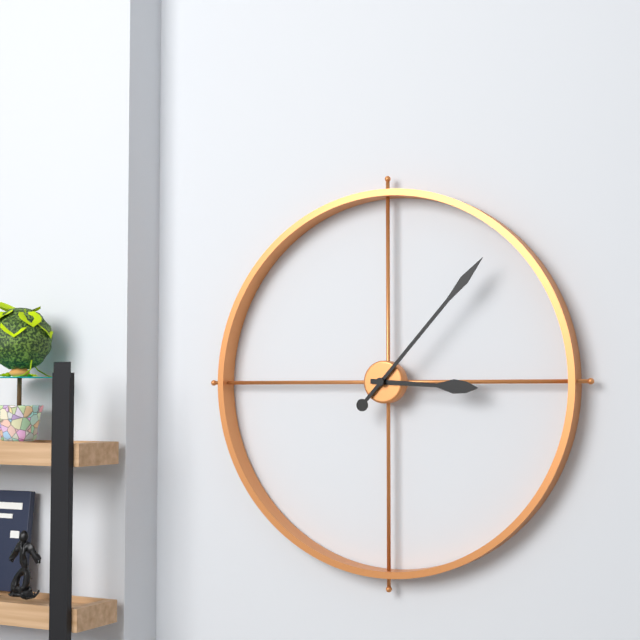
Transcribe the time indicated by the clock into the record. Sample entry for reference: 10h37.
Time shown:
3h07
